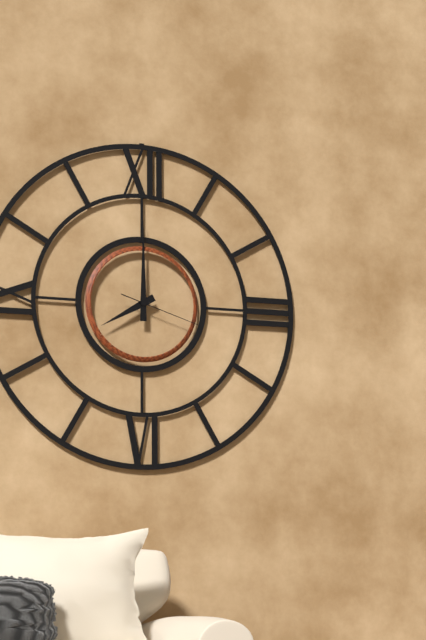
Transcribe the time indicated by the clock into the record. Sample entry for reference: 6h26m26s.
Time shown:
8h00m18s
